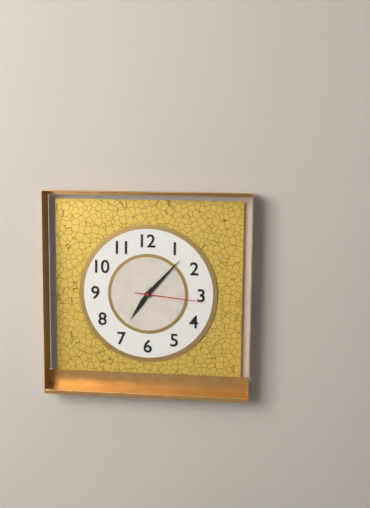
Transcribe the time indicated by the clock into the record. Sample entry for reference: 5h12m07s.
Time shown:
7h07m16s
